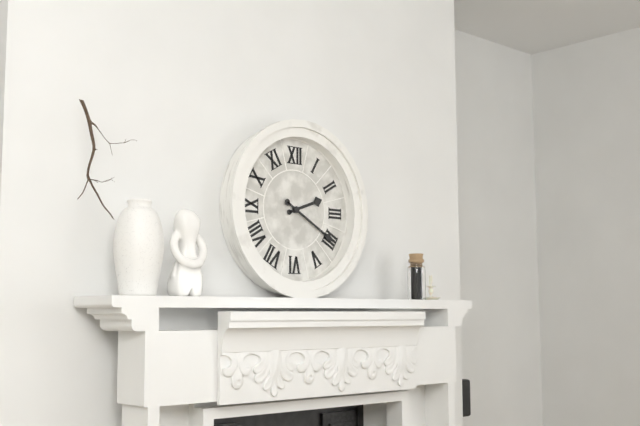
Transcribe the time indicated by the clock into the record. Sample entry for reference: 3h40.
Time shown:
2h20
